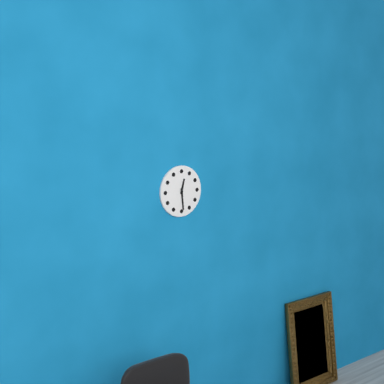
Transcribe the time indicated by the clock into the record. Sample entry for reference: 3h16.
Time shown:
12h29
